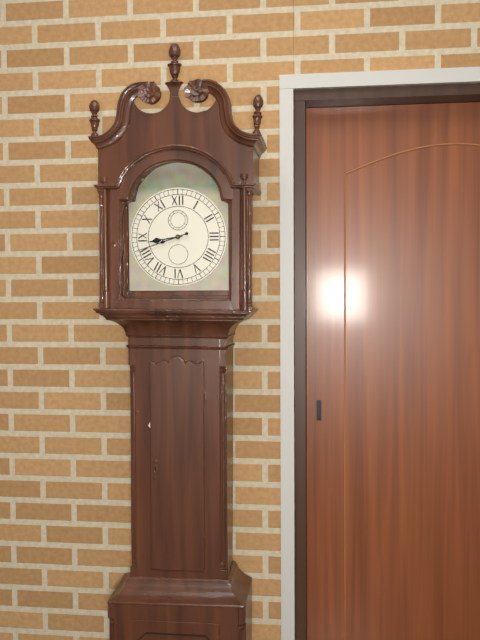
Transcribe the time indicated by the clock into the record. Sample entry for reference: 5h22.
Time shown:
8h42
